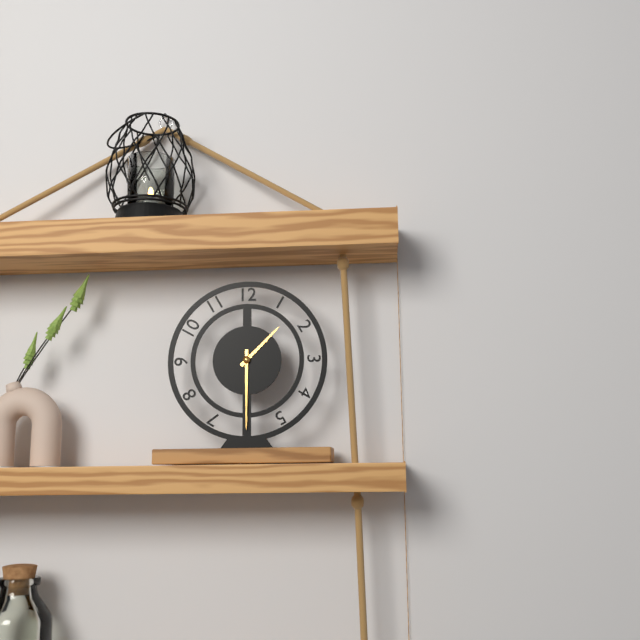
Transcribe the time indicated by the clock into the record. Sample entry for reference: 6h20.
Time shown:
1h30
